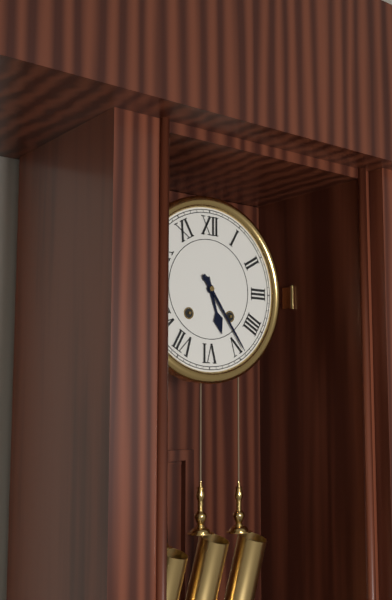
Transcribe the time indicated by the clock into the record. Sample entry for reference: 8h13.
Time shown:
5h24
